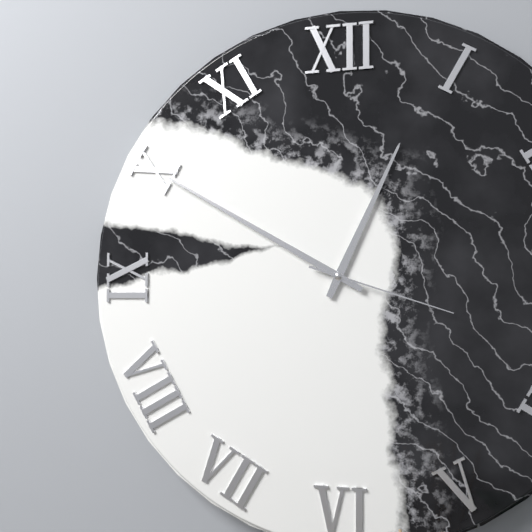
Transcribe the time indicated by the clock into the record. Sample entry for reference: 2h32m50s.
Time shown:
12h50m18s
